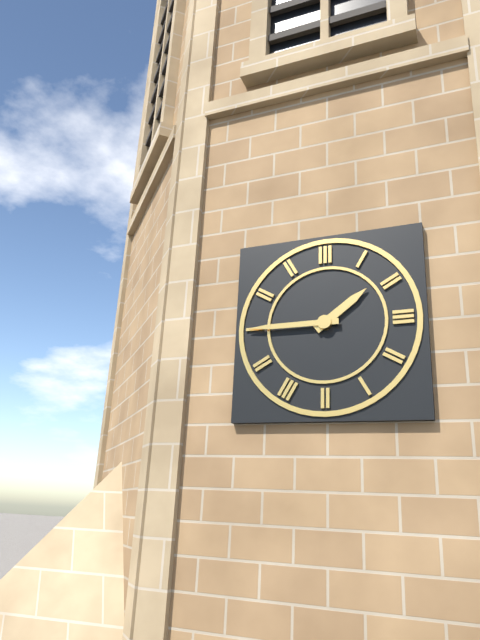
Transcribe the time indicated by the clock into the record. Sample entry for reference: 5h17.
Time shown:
1h45
